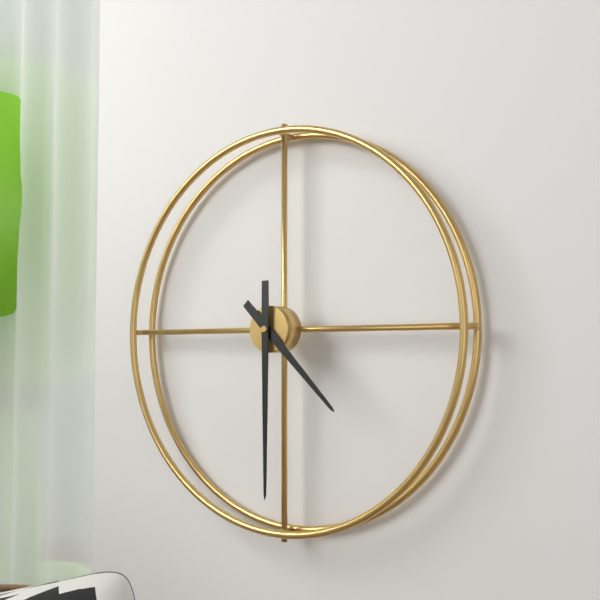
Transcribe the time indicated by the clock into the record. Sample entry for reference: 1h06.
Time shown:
4h30
